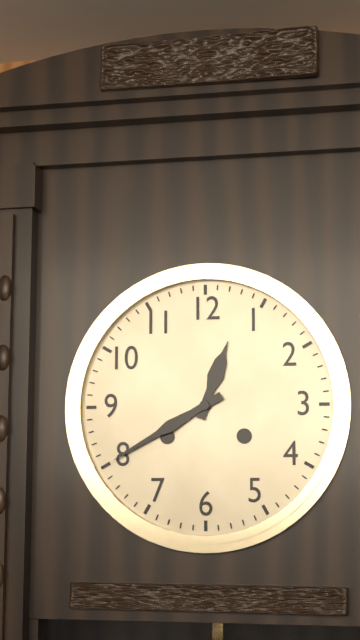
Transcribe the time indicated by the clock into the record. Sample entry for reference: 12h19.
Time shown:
12h40
